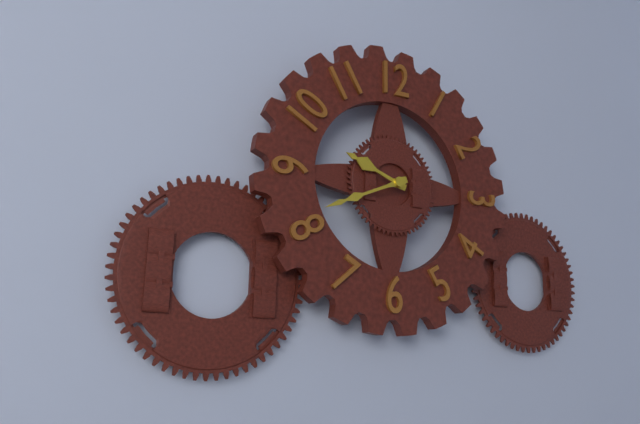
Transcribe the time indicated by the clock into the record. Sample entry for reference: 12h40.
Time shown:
9h41
